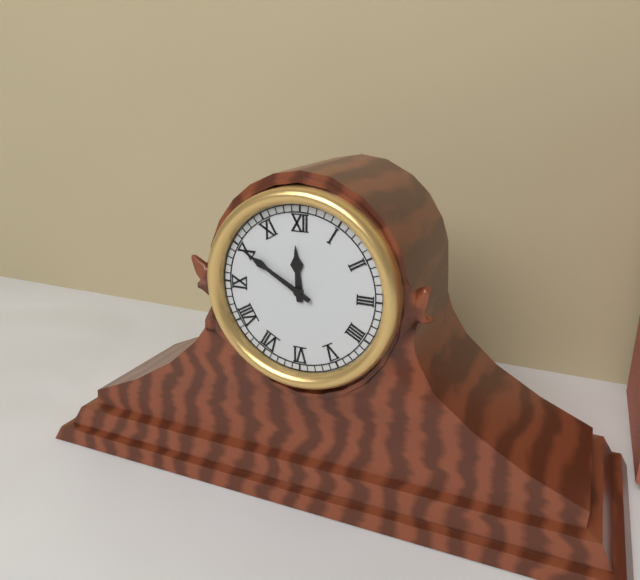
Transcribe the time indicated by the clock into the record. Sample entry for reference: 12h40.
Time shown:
11h50
